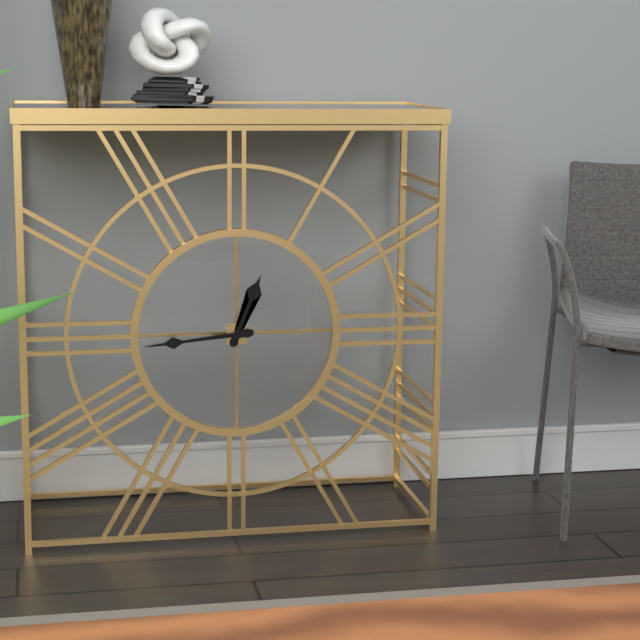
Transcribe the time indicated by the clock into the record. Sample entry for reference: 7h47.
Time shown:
12h44
